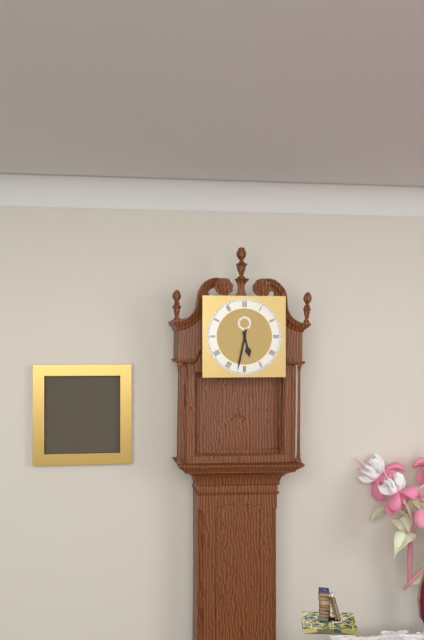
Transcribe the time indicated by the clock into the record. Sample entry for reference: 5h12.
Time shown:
5h32
